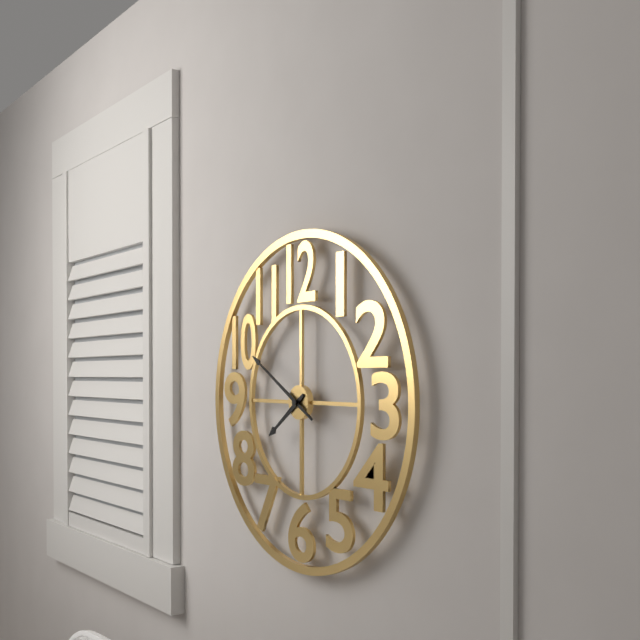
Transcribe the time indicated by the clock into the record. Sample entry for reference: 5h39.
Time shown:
7h50
